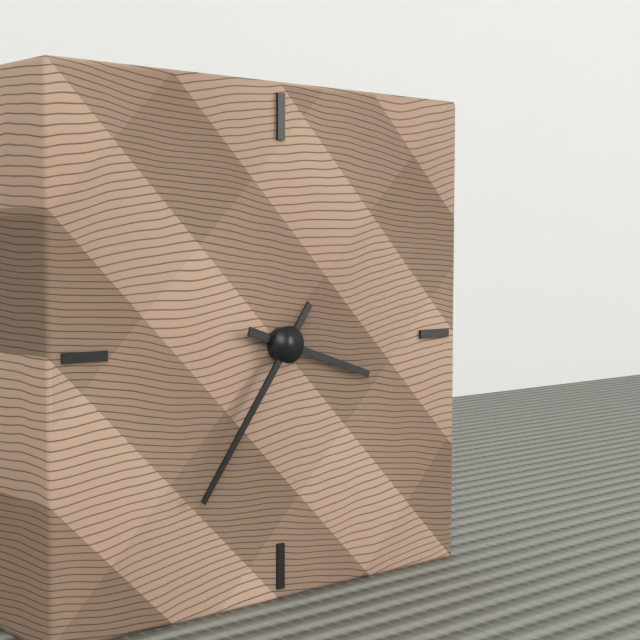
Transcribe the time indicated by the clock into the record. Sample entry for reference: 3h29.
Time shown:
3h36
